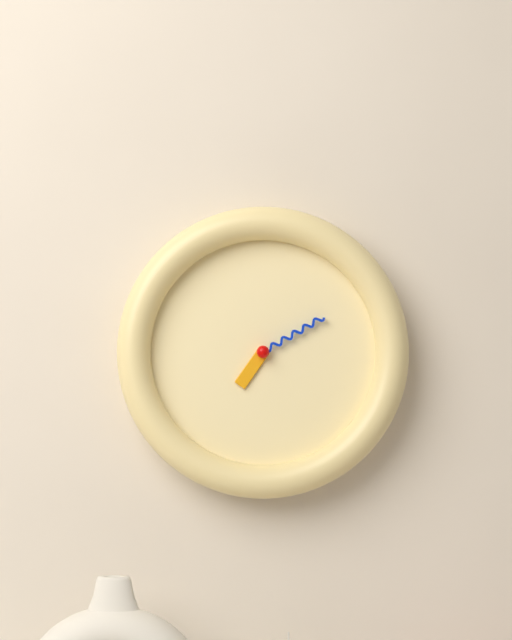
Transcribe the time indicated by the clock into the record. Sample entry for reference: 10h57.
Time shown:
7h10
